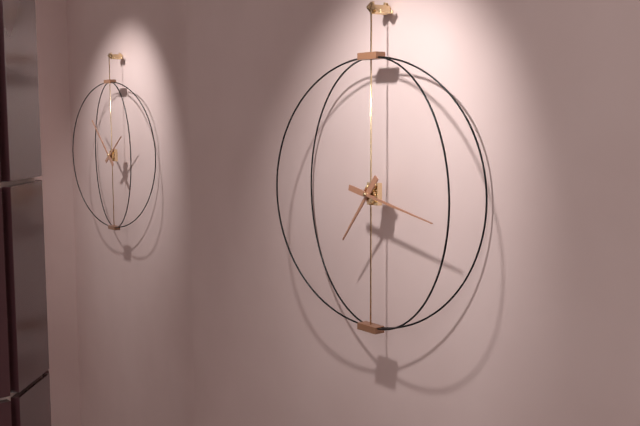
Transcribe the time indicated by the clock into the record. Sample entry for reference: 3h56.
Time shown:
7h17
